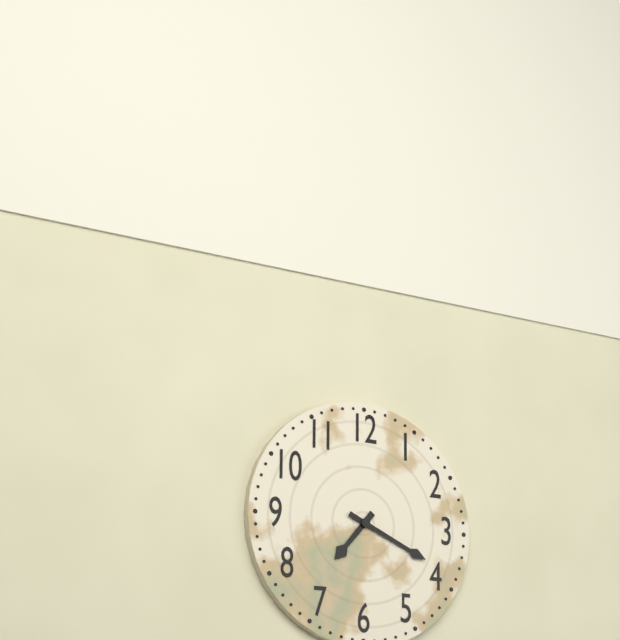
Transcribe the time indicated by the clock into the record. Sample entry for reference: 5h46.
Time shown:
7h19
